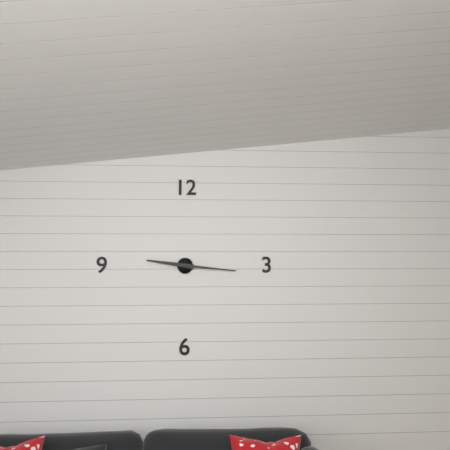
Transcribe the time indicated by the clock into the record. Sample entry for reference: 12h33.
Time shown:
9h16
